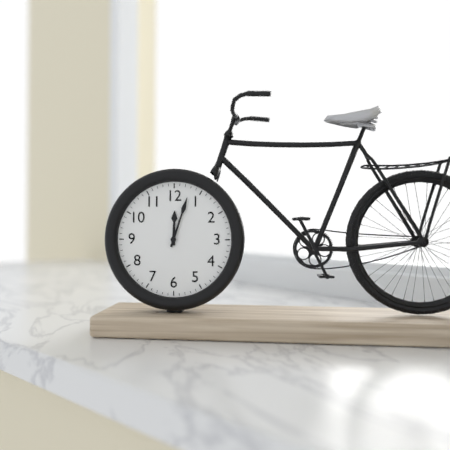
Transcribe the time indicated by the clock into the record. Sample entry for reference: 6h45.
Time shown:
12h03
